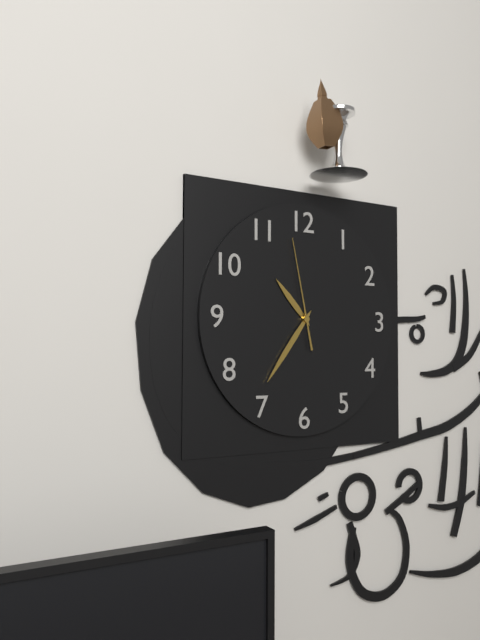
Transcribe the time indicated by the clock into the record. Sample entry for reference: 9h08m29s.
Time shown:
10h36m58s
